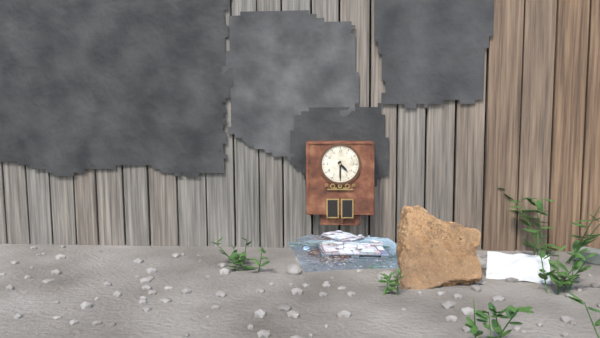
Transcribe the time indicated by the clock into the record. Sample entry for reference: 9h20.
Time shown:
4h30
